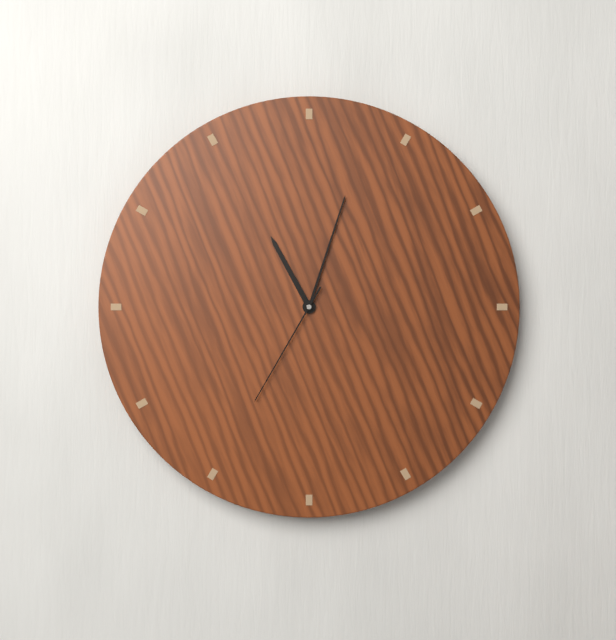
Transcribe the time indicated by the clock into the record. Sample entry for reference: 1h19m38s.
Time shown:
11h03m35s
